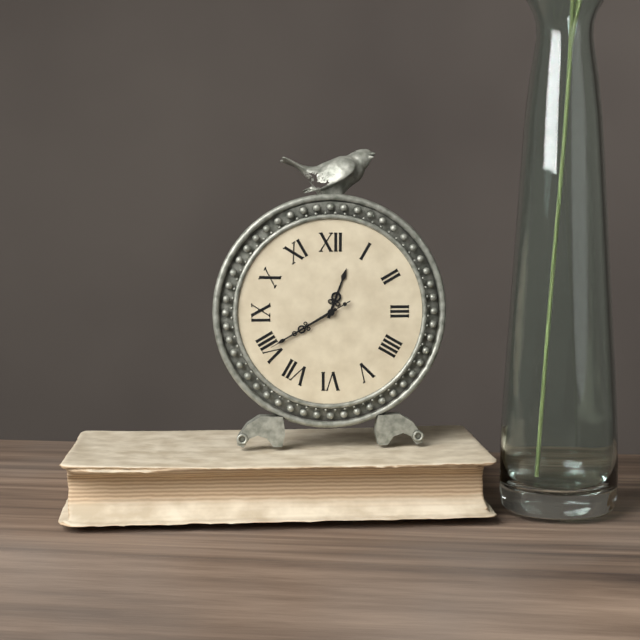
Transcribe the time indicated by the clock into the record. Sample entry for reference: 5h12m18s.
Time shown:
12h40m40s
